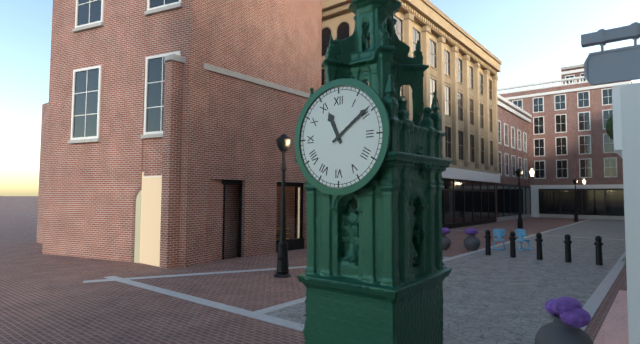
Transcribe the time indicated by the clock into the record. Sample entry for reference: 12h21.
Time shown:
11h09
